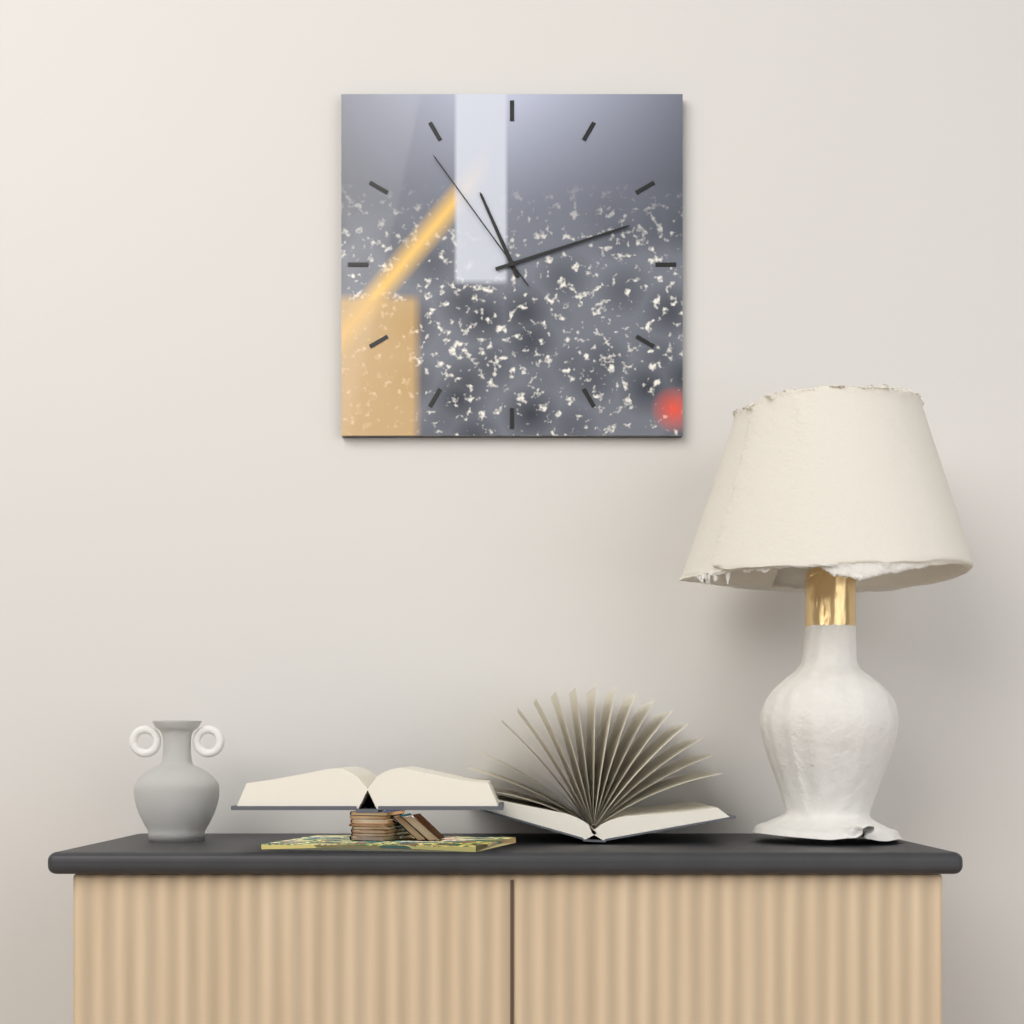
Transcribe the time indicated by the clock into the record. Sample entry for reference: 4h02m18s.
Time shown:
11h12m54s
